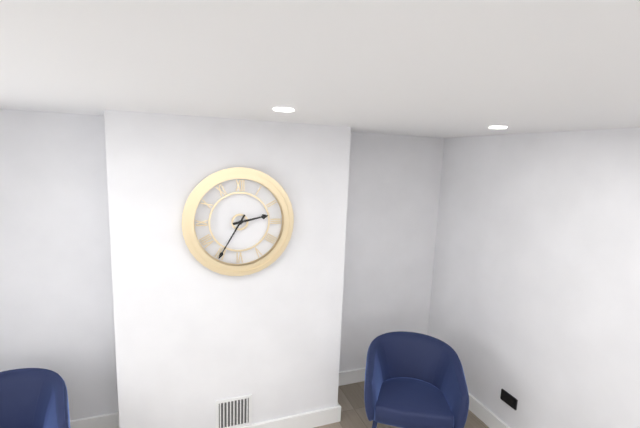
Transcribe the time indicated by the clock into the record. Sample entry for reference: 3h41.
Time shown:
2h35
